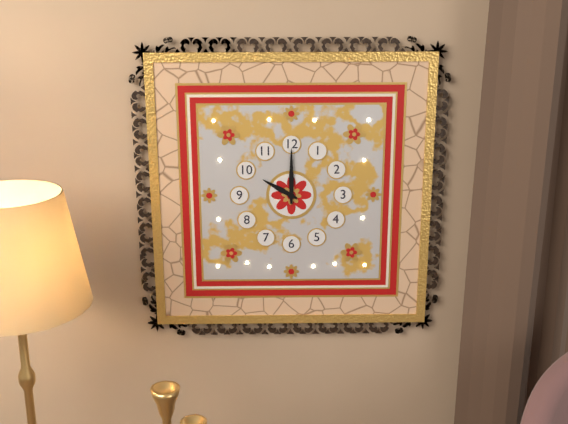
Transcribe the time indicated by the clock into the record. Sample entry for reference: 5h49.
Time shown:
10h00
